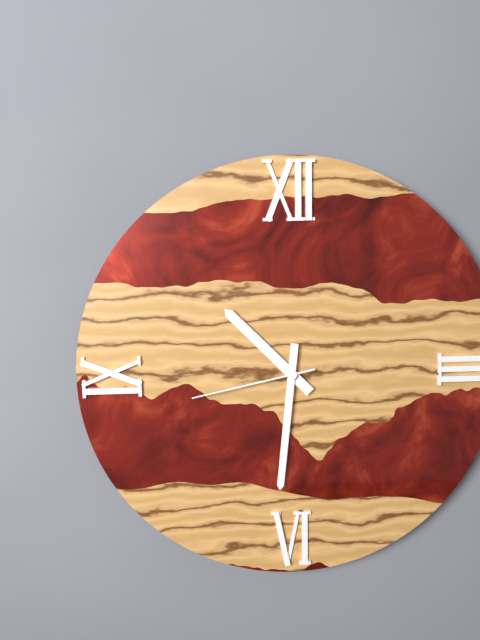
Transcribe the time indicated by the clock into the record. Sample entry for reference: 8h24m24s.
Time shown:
10h31m43s
